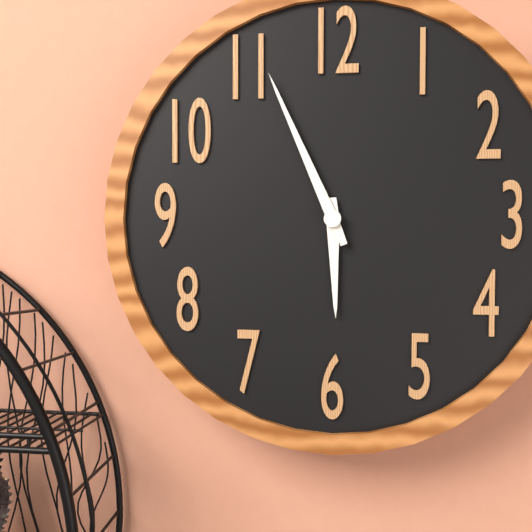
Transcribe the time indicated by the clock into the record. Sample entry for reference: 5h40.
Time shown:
5h56
